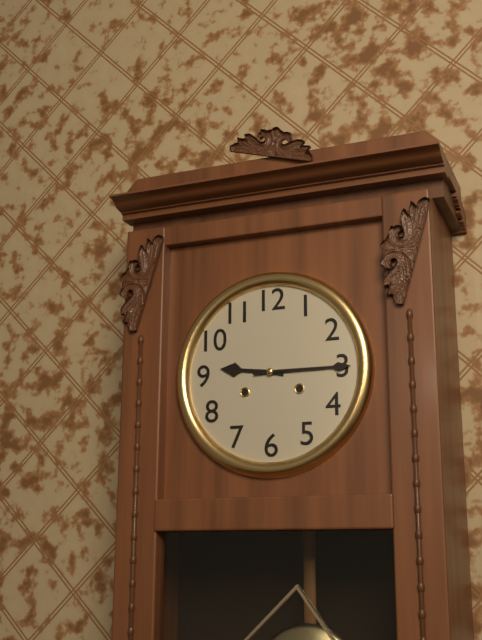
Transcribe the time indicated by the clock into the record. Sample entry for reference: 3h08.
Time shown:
9h15
